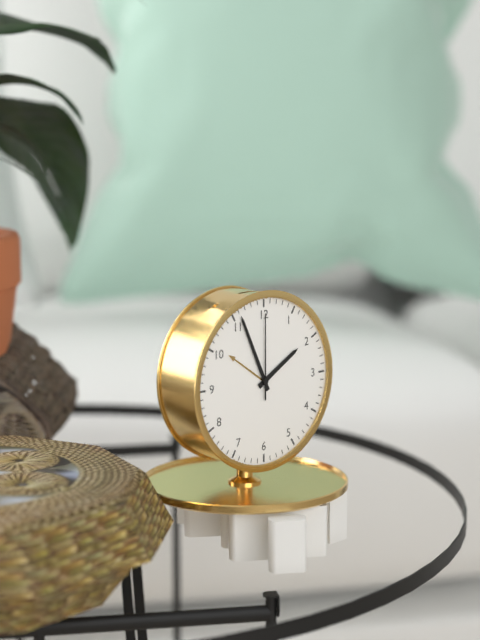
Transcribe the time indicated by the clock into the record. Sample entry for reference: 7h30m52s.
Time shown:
1h56m00s
